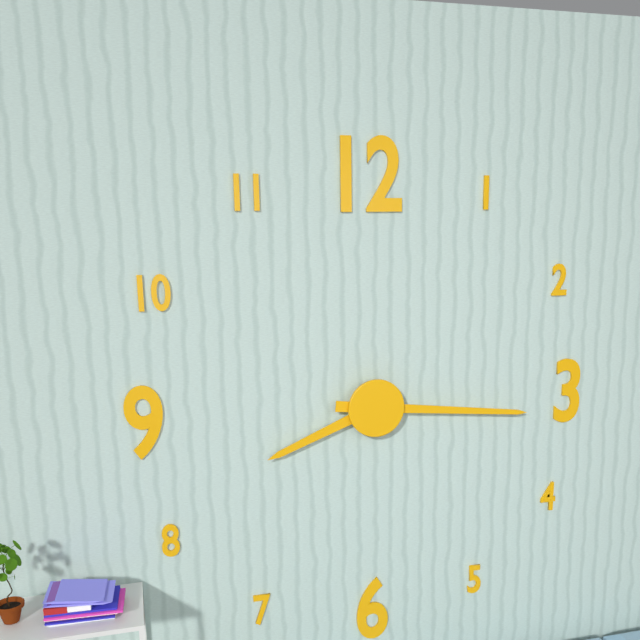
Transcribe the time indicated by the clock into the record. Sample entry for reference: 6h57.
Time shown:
8h16
